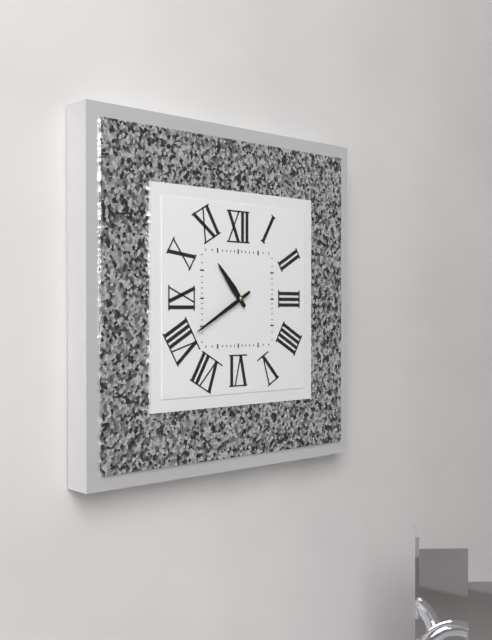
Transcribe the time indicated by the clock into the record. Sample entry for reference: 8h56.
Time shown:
10h40
